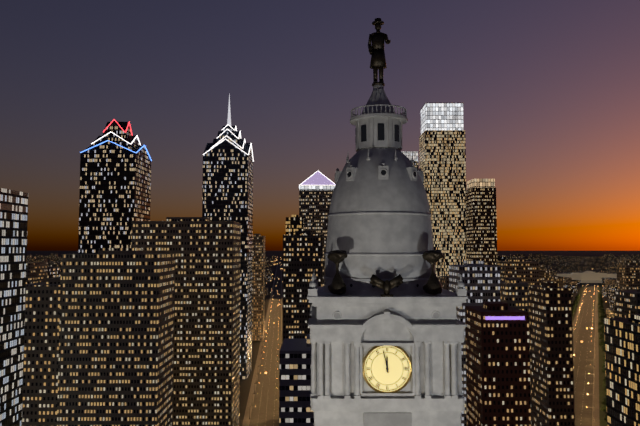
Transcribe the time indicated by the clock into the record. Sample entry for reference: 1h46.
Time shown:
11h58
